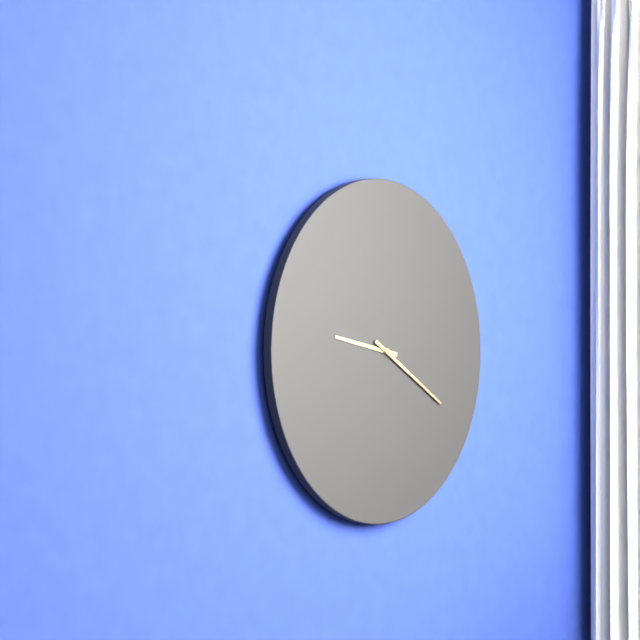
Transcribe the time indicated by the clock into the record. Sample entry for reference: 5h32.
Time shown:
9h20
